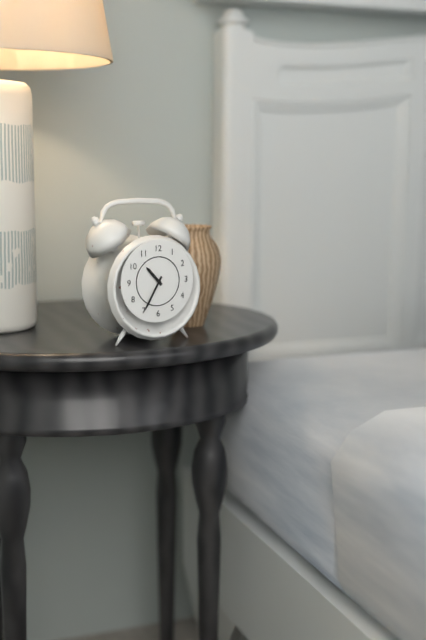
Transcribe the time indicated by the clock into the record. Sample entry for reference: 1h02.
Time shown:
10h35
